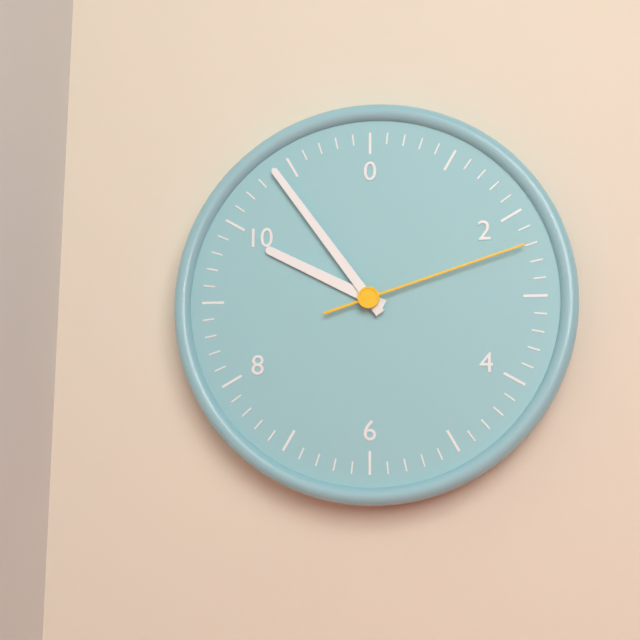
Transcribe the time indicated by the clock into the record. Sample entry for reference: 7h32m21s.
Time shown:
9h54m12s
